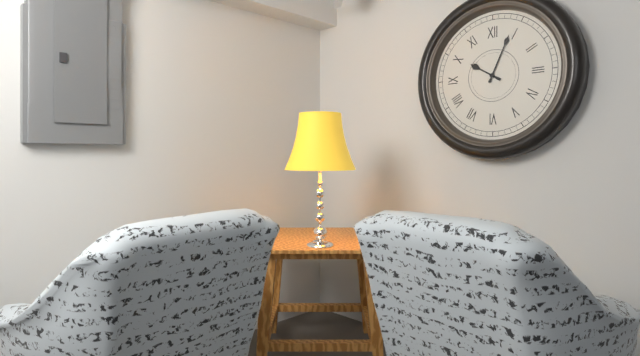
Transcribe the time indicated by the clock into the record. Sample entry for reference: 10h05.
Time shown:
10h04
